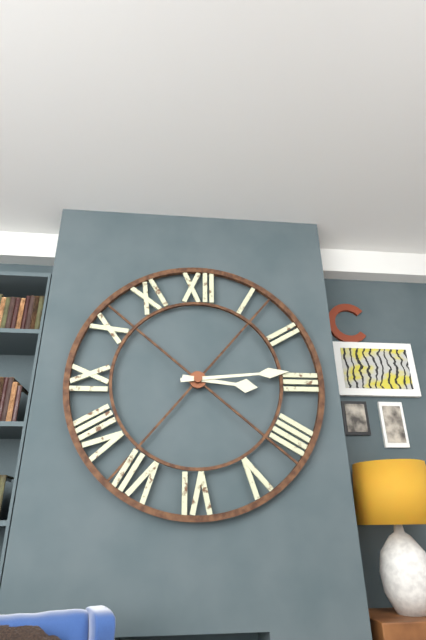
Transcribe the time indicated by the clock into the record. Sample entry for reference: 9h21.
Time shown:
3h14
